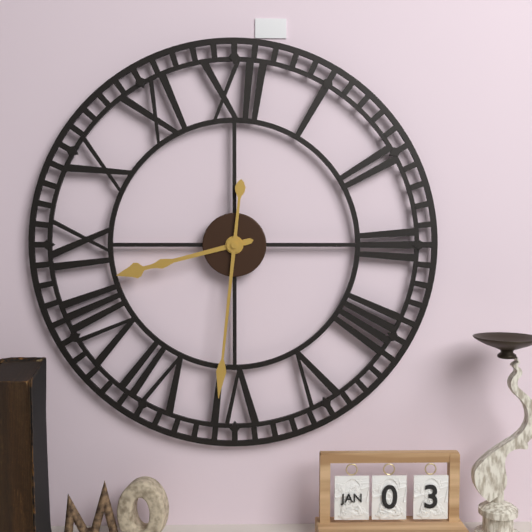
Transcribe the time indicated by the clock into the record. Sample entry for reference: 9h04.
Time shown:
8h31
